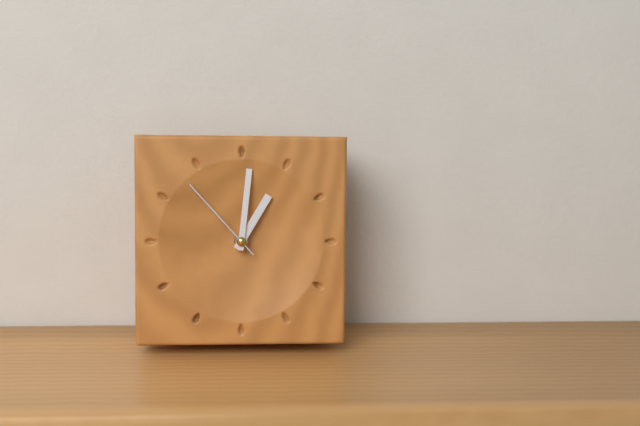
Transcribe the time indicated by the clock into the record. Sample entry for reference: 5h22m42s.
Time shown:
1h01m53s
